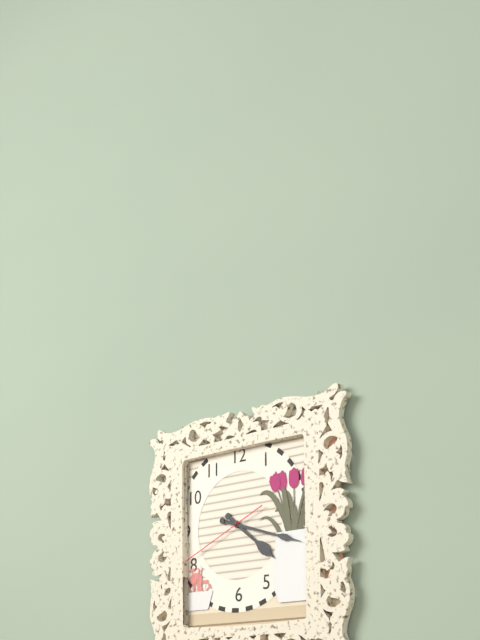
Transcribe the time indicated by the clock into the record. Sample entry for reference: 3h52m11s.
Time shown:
4h18m41s
